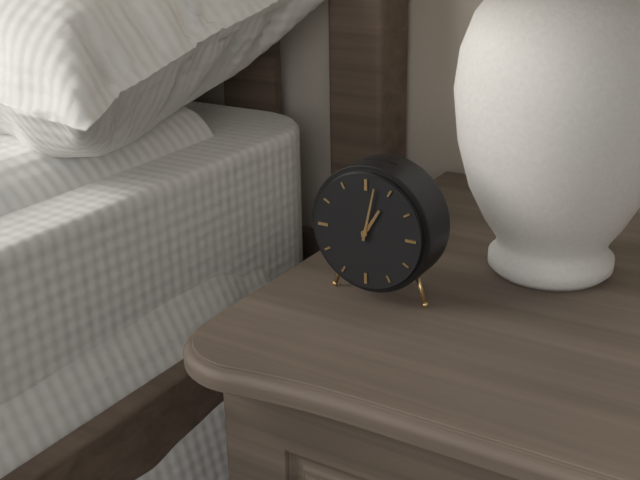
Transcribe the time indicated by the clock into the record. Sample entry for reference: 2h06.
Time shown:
1h02
